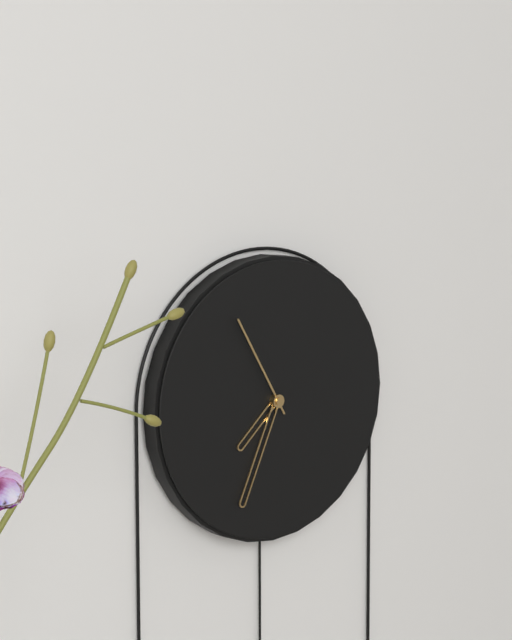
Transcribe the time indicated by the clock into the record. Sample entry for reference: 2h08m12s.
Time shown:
7h34m55s
